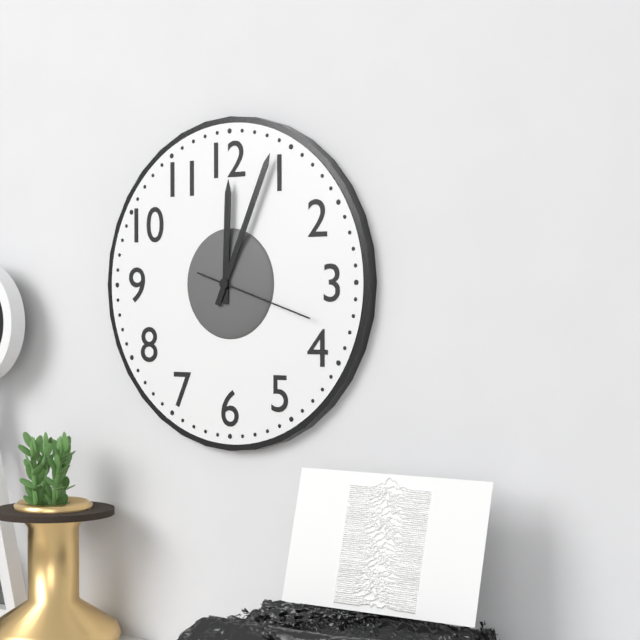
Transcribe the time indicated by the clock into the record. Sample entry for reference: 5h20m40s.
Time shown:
12h04m18s
